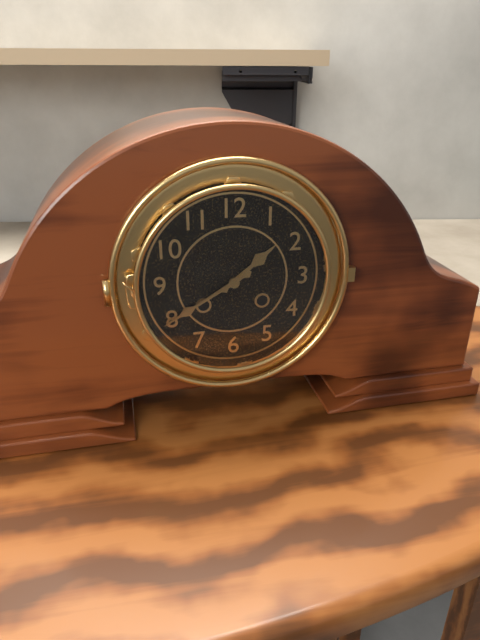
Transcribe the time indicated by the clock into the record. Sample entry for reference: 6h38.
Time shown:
1h40
